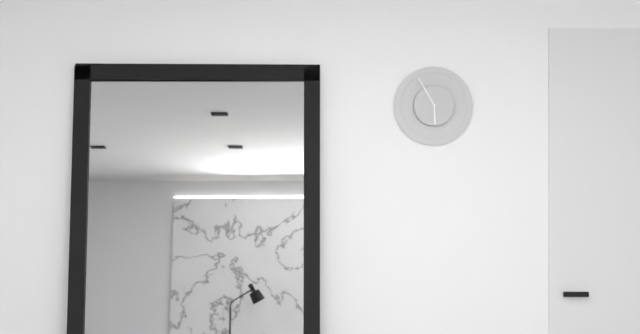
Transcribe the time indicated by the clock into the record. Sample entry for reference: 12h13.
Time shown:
5h55
